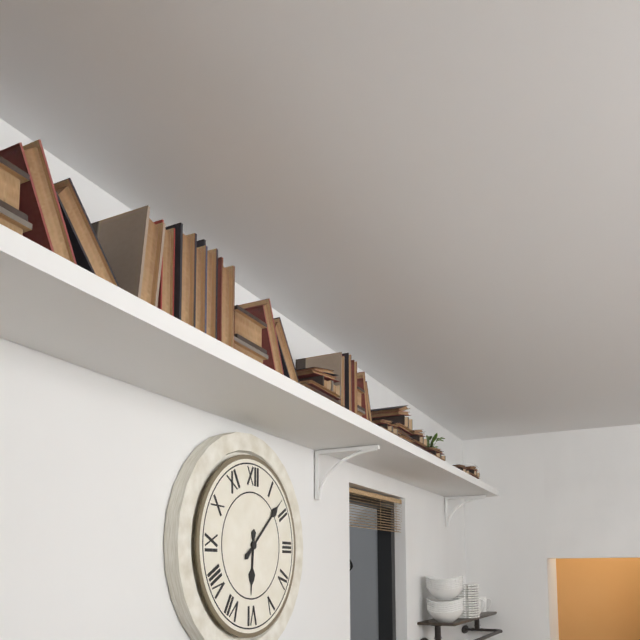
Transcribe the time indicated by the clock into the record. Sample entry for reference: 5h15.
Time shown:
6h08
